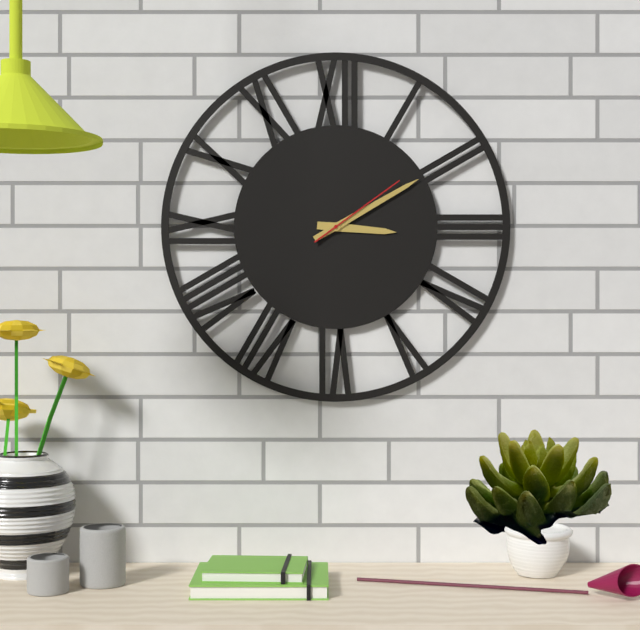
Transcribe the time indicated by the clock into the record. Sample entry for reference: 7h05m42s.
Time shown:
3h10m09s
